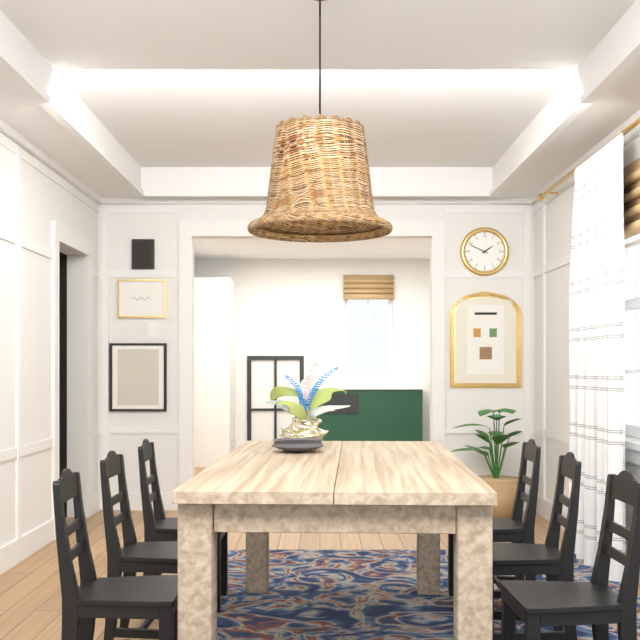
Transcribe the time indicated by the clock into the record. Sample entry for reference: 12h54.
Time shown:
1h49
